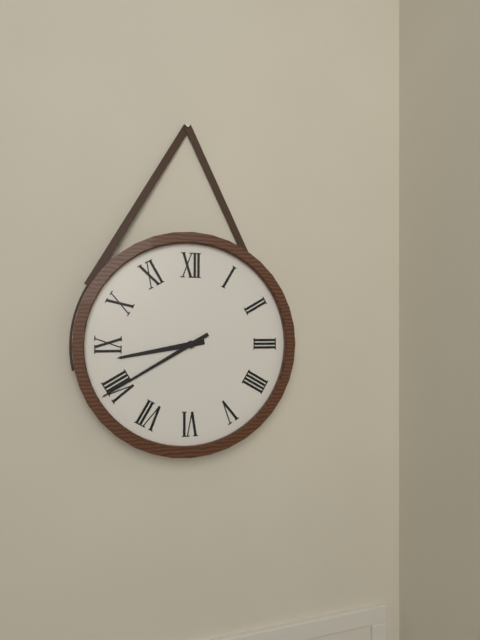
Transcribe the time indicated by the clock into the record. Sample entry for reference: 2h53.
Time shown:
8h40
